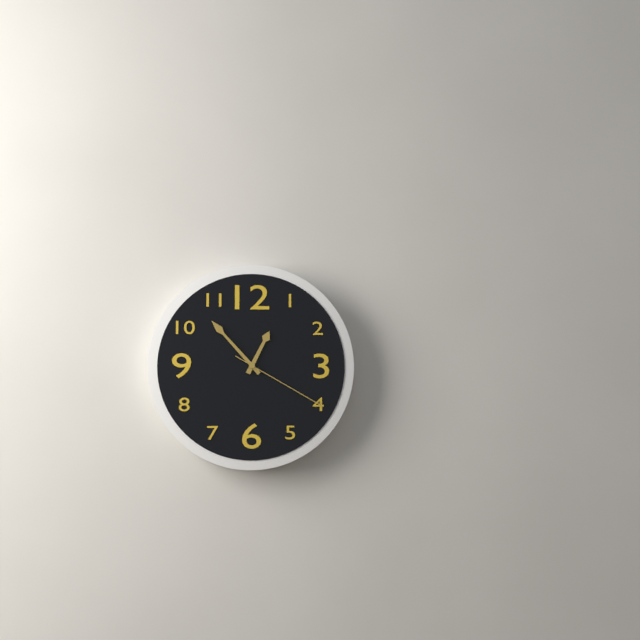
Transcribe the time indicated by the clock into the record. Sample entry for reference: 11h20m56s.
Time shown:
12h53m20s
